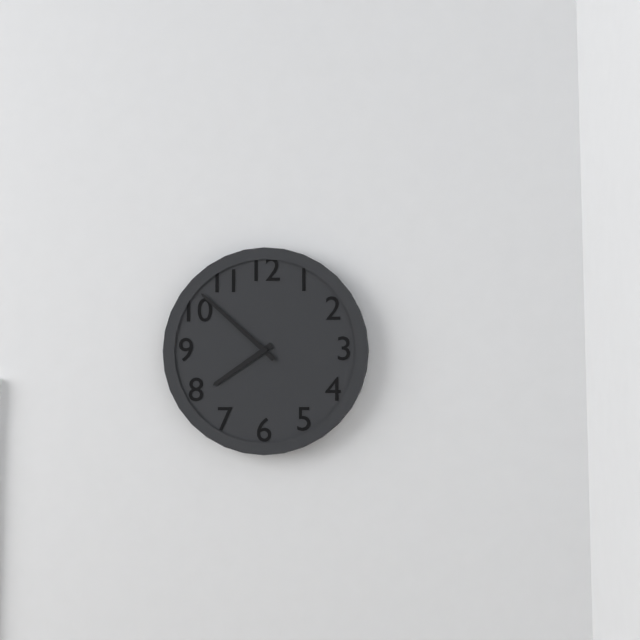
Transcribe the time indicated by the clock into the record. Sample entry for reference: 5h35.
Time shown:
7h52
